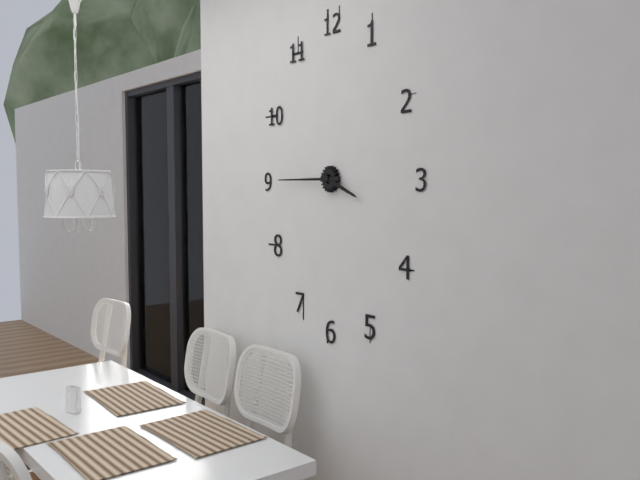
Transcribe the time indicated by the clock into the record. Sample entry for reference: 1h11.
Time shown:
3h45
